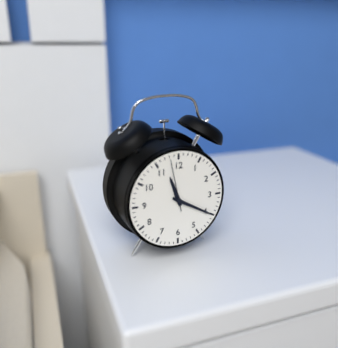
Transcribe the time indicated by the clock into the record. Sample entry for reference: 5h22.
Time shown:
11h20
